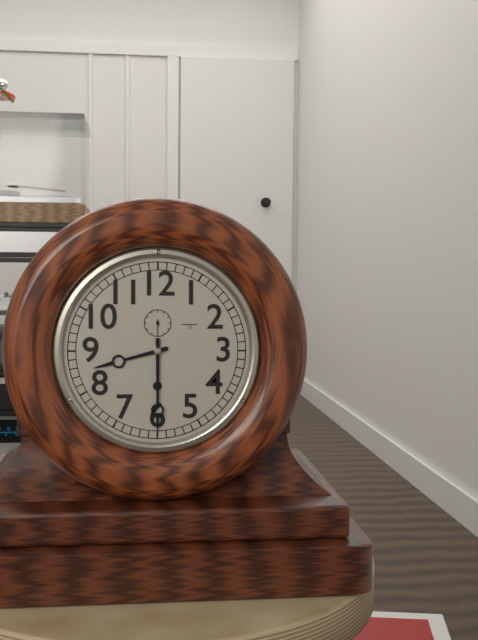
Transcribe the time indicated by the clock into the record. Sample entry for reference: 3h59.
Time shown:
8h30
